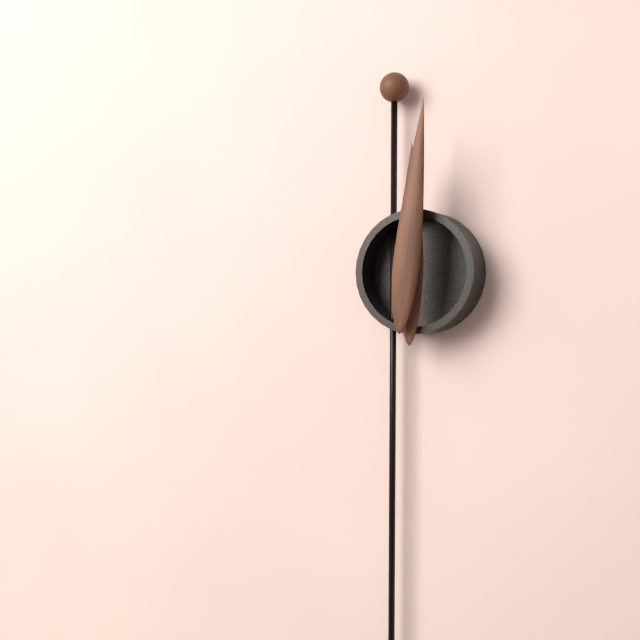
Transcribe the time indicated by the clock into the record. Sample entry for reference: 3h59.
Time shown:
12h01
